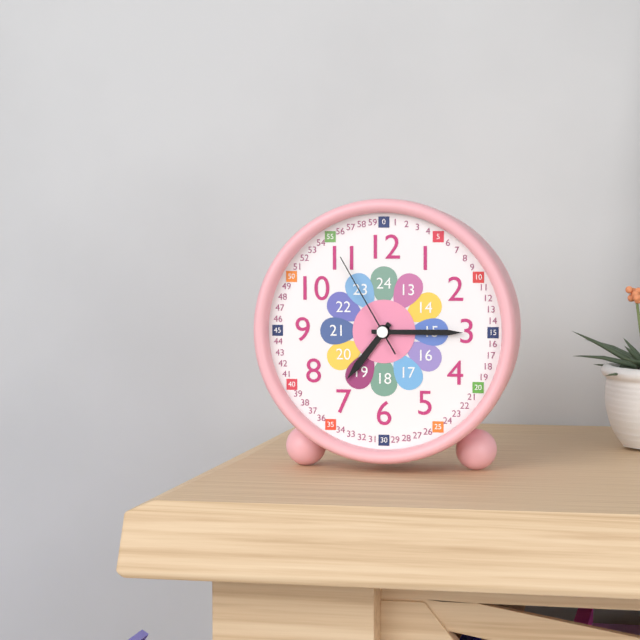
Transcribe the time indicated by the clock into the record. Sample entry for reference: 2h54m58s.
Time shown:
7h15m55s
